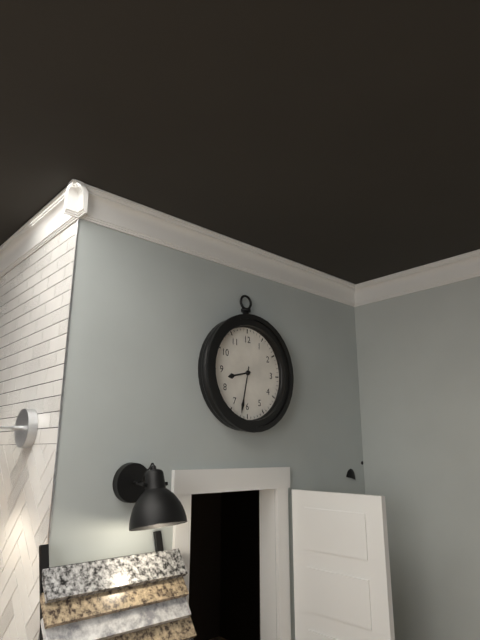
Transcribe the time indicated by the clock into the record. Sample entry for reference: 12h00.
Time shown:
8h32
